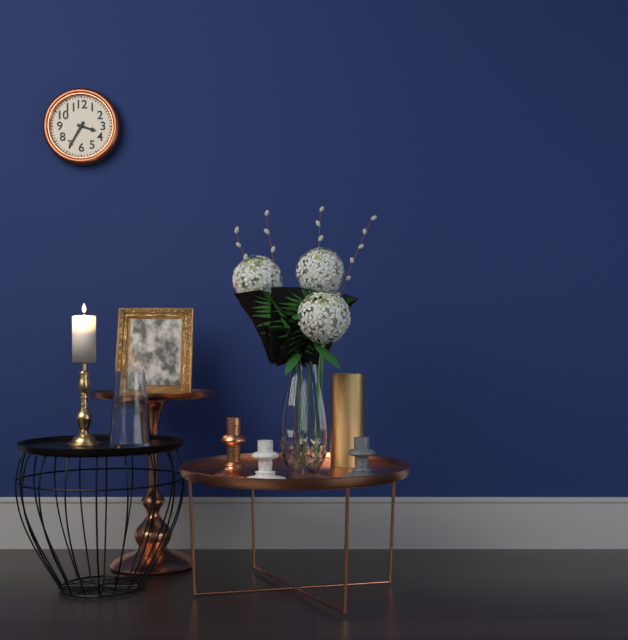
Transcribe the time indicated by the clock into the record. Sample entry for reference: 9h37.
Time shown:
3h35
